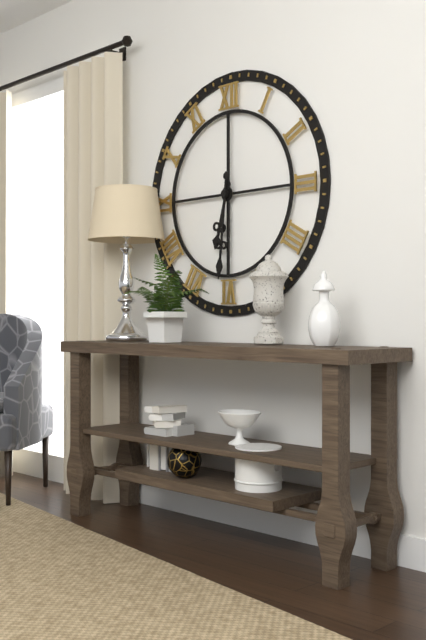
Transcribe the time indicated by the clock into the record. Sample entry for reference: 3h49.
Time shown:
6h31
